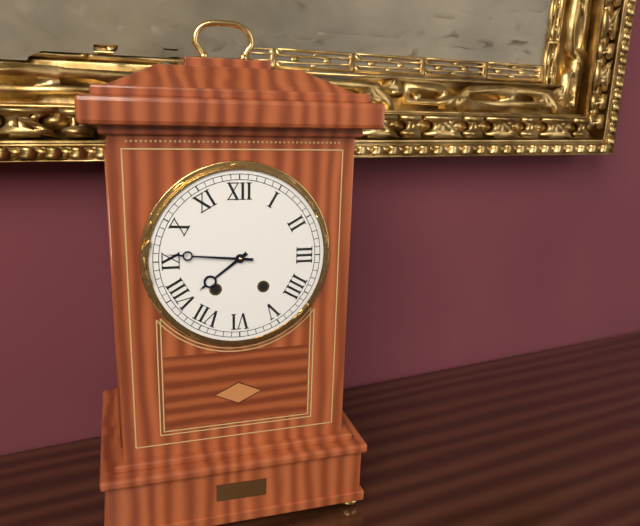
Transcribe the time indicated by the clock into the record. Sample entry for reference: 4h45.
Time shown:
7h46
